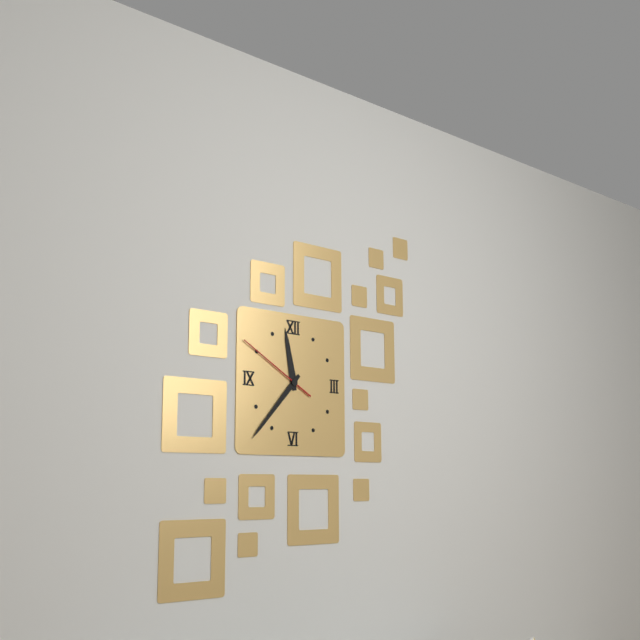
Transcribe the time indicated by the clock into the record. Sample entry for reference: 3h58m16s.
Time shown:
11h37m50s
